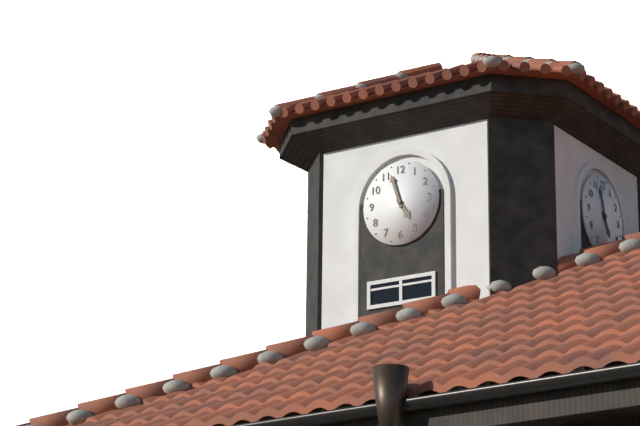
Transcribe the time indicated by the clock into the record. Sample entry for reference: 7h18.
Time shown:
4h57
